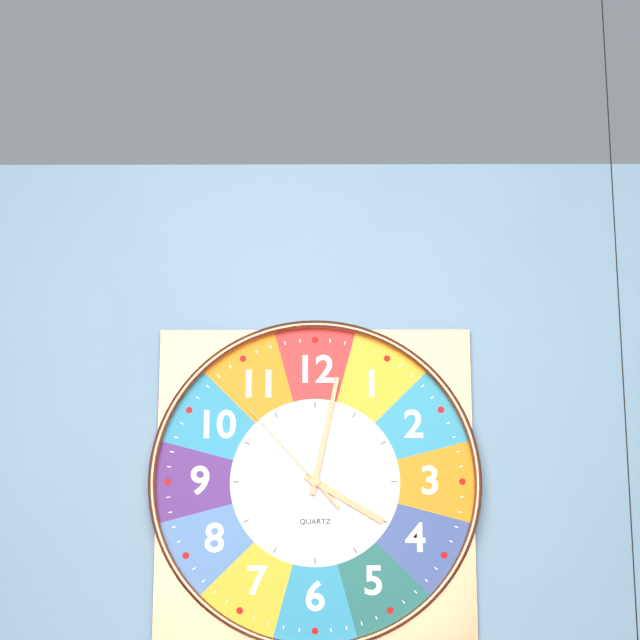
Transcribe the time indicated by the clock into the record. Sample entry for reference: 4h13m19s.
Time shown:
4h02m53s
